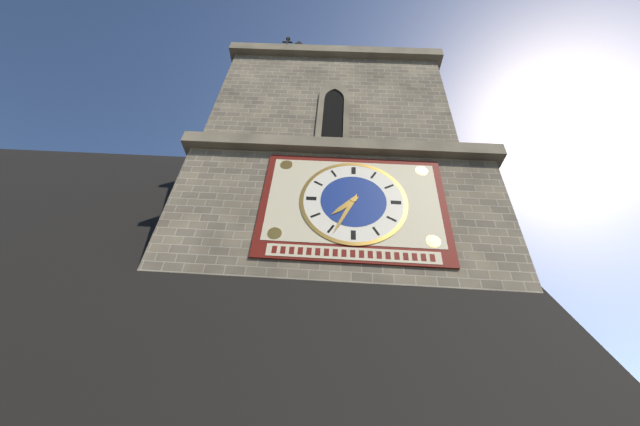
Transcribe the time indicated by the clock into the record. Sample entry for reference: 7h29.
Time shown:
7h34
